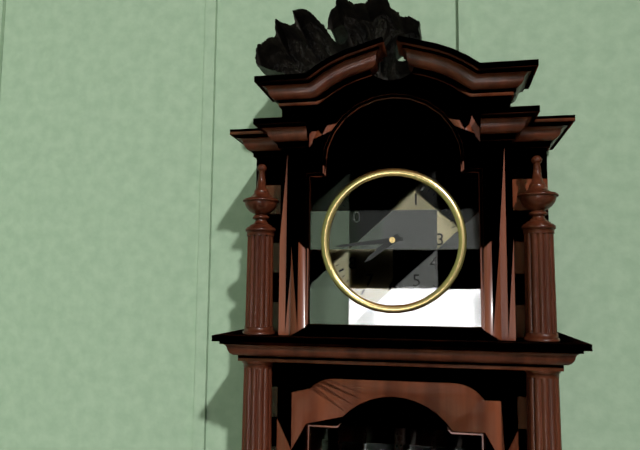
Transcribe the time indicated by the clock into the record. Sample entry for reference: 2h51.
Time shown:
7h44
